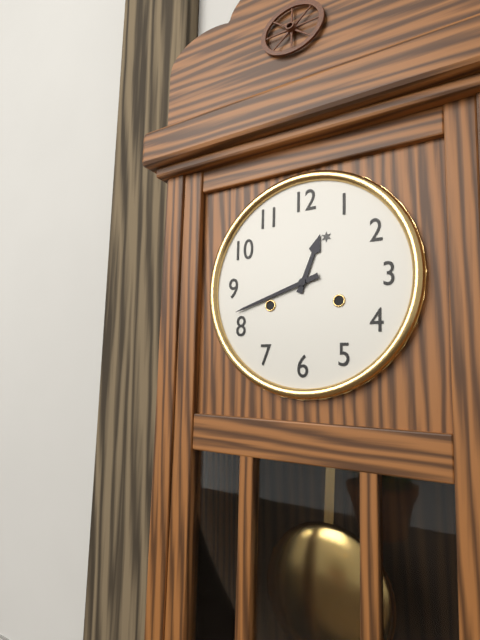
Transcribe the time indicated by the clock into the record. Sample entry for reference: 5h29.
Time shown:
12h42
